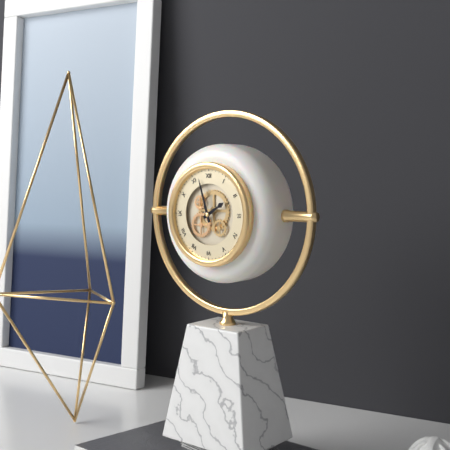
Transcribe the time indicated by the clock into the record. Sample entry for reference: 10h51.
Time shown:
1h57
